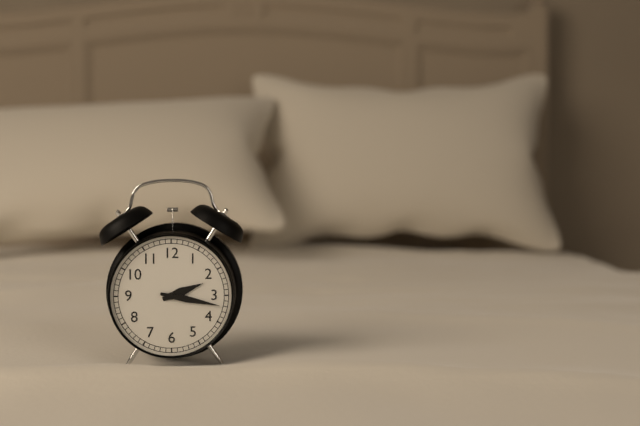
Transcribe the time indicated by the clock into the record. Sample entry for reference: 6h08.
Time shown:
2h17
